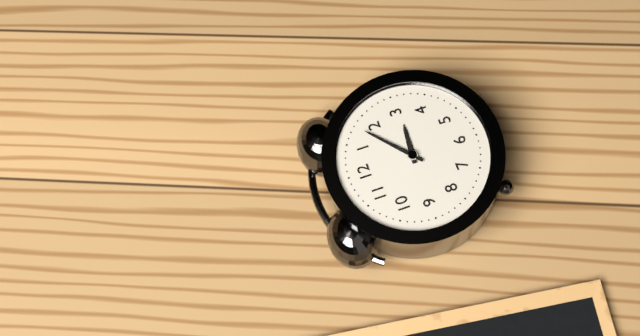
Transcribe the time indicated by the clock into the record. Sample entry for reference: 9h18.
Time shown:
3h08
